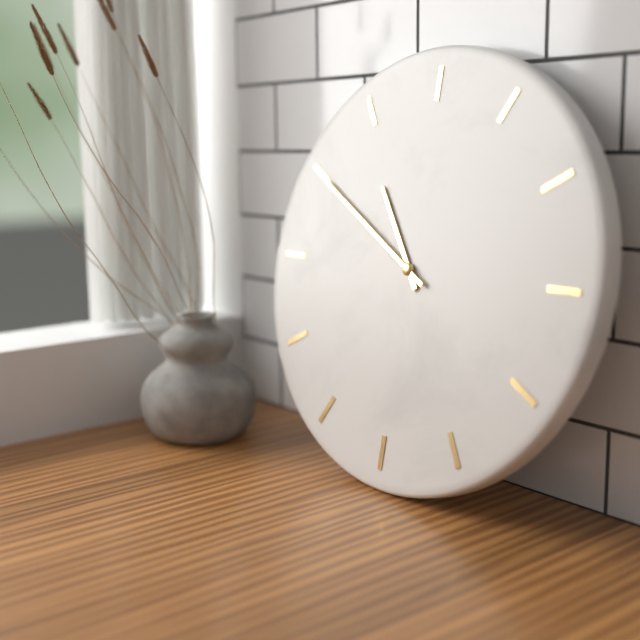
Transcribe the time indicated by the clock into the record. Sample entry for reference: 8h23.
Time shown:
10h50
